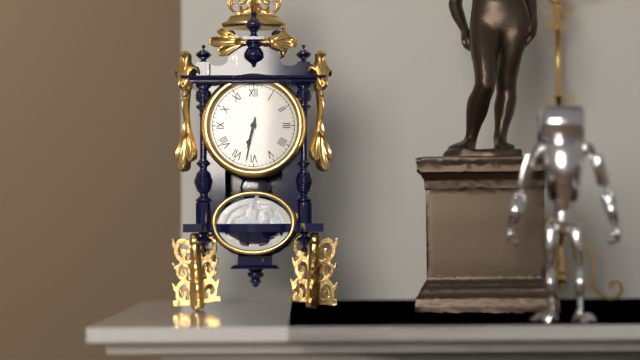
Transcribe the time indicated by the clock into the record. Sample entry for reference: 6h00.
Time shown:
6h32
